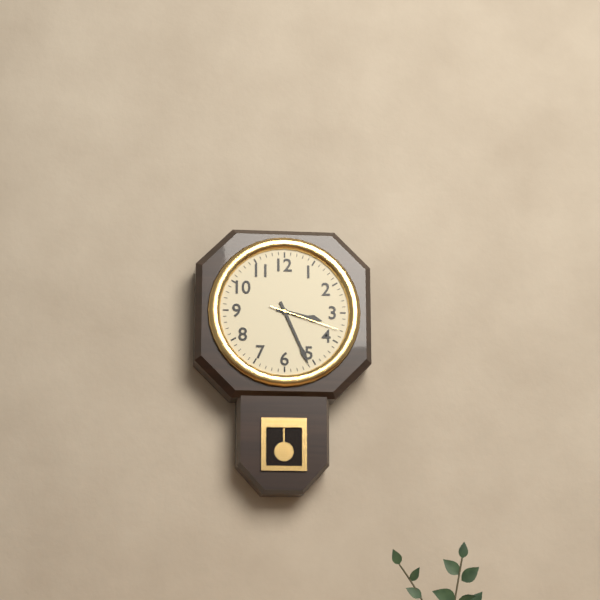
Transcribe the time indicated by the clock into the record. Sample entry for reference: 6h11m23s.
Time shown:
3h26m18s
